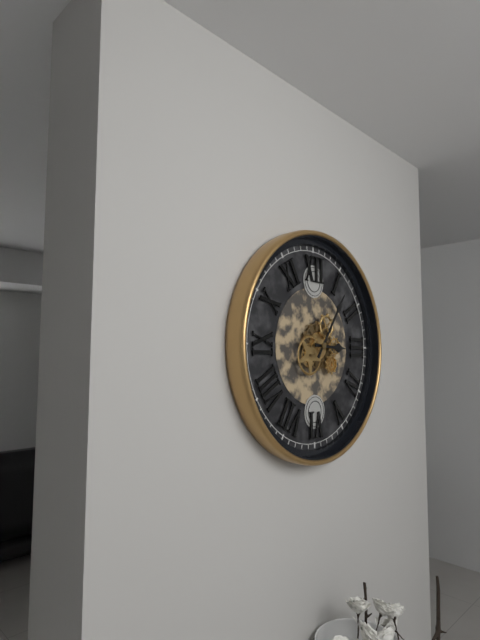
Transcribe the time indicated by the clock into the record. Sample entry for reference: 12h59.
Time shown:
3h06
